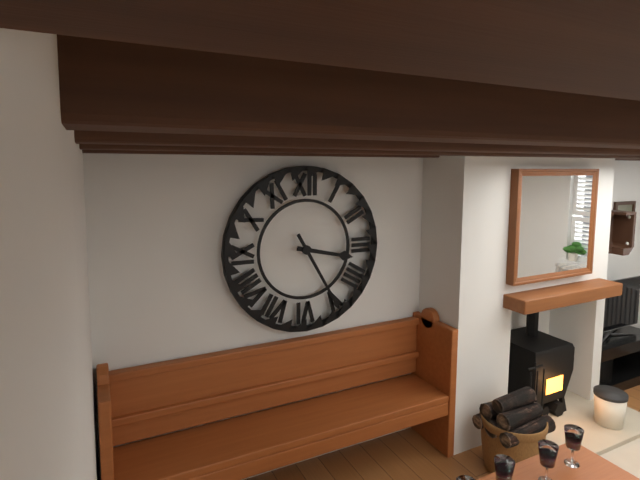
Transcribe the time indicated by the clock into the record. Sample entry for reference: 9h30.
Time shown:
3h25
